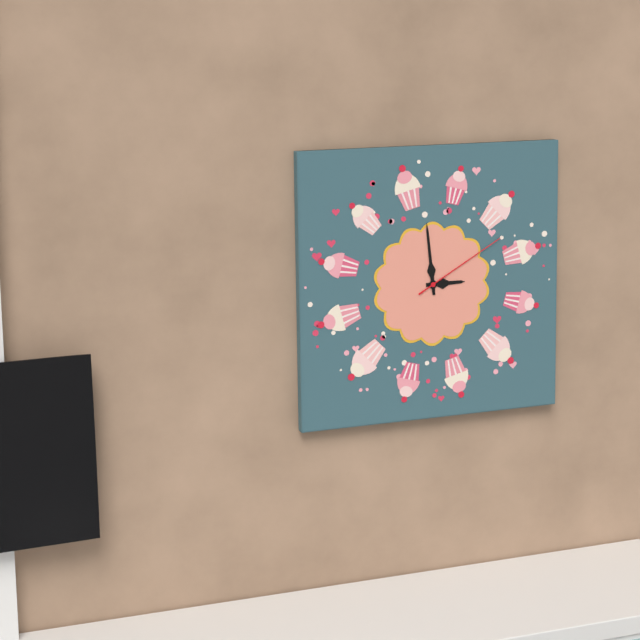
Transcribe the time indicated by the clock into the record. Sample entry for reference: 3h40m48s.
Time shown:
2h59m10s
